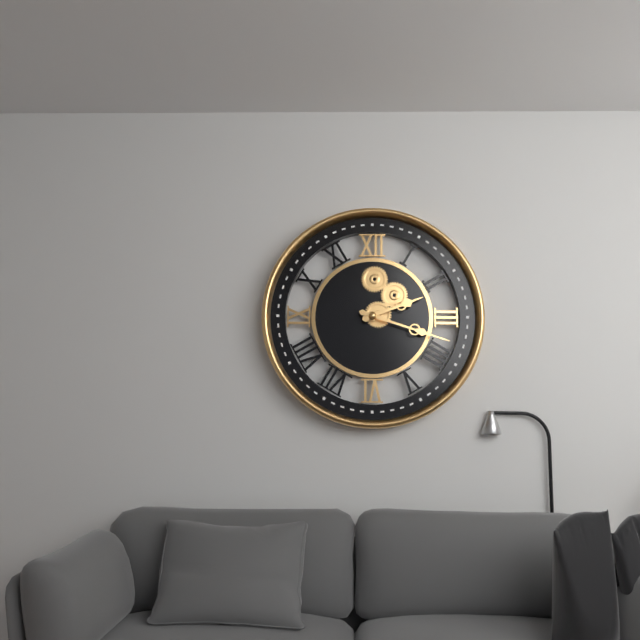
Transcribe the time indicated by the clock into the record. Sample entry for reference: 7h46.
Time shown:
2h18
